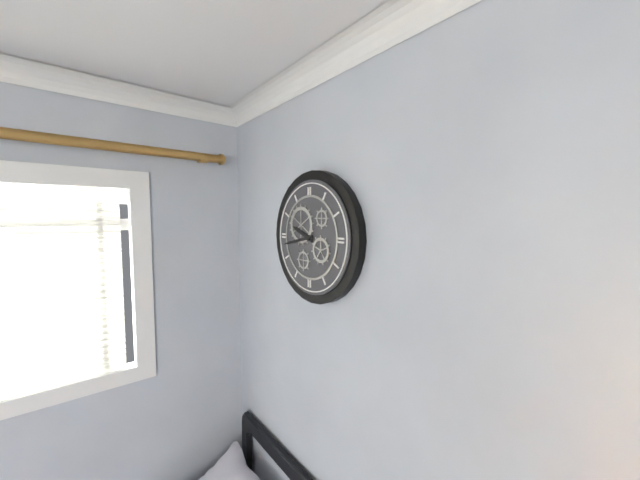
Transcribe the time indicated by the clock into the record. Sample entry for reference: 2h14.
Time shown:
9h43
